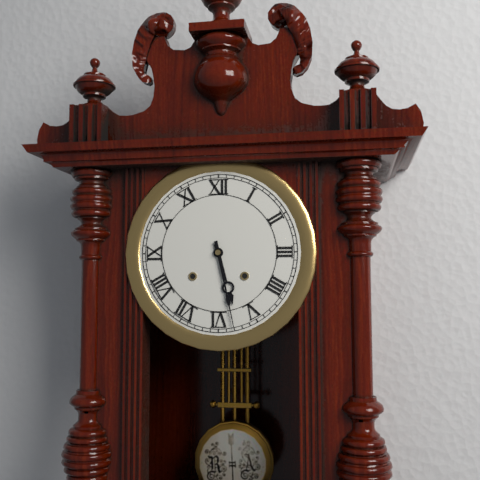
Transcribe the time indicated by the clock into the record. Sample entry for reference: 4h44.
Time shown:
5h28
